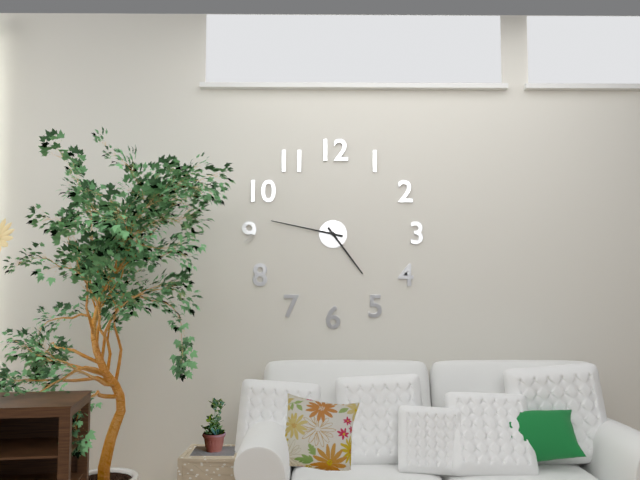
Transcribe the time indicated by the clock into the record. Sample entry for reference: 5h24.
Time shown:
4h47
